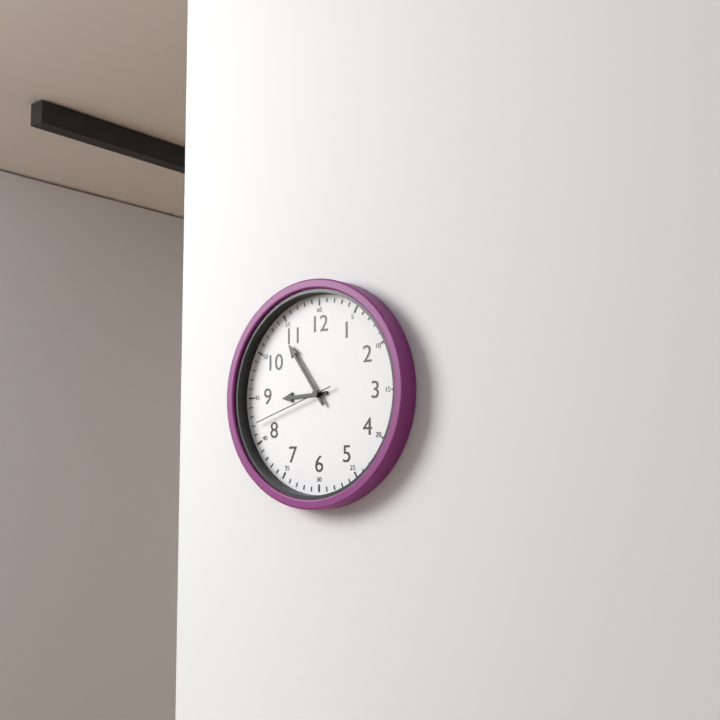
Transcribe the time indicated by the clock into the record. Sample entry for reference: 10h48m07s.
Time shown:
8h54m42s
